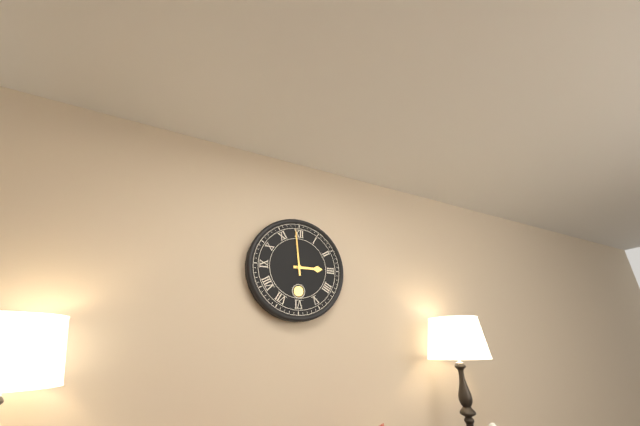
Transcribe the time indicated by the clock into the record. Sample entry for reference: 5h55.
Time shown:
2h59
